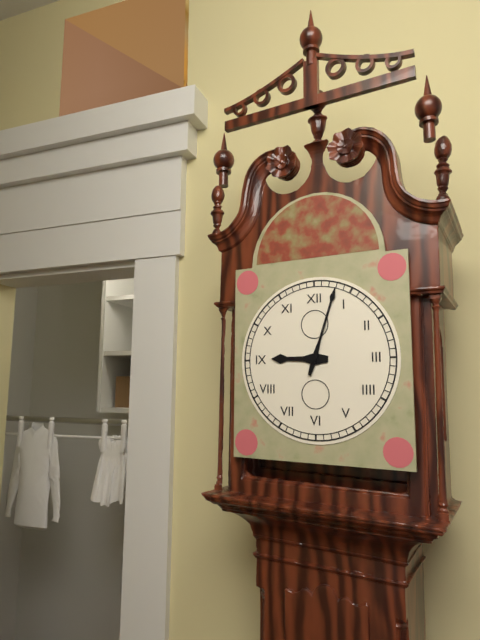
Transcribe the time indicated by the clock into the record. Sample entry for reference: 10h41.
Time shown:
9h03
